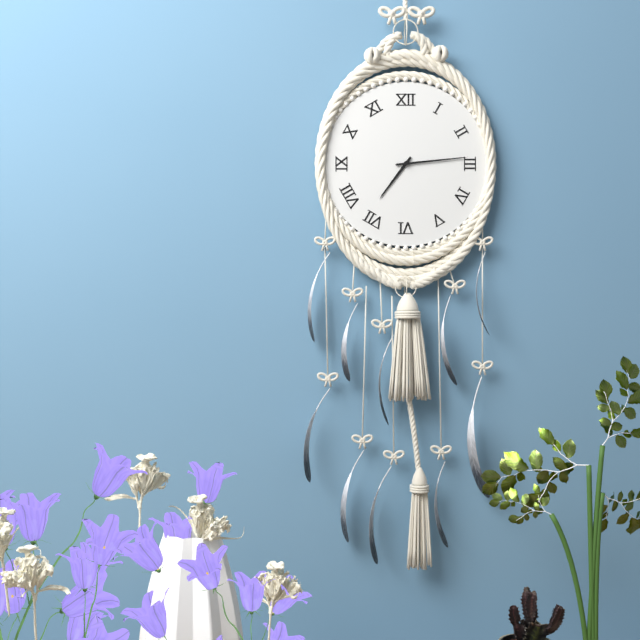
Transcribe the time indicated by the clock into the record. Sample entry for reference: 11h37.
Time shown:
7h14
